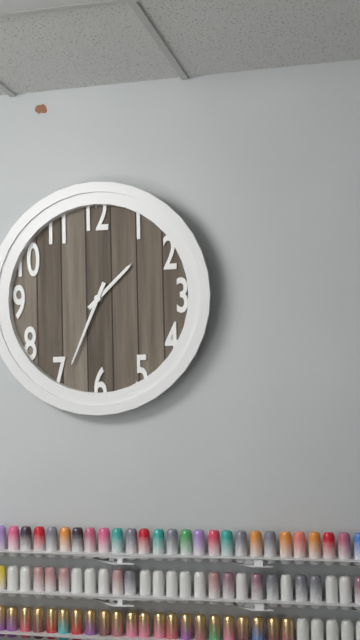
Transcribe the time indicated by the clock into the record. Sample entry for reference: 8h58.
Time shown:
1h34
